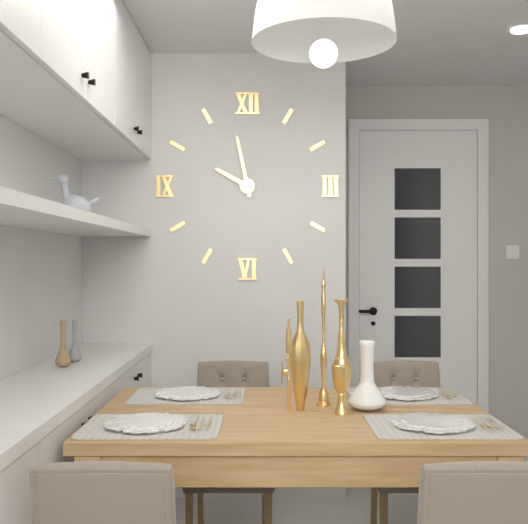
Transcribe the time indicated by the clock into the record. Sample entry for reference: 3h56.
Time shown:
9h58
